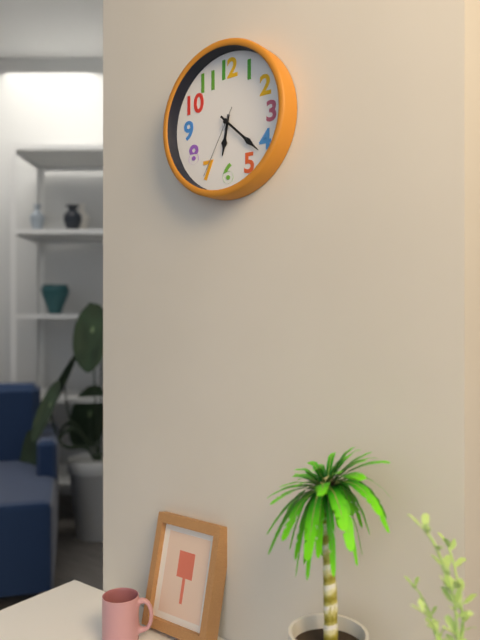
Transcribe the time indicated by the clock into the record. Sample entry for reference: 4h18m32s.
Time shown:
6h22m35s
